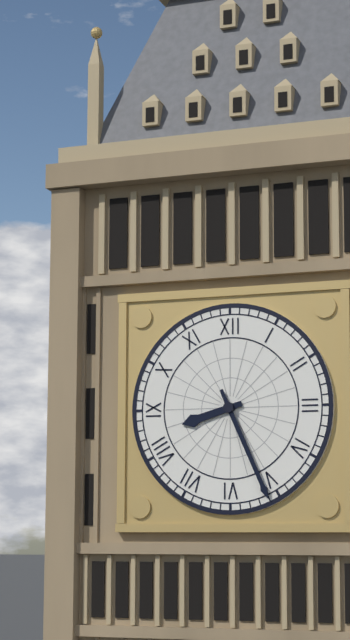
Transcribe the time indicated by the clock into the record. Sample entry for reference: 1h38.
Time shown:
8h26
